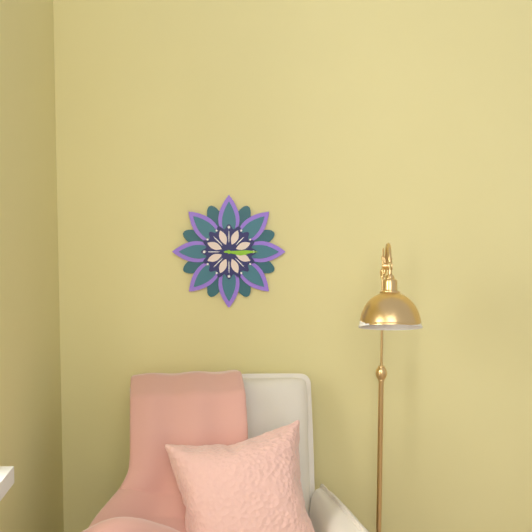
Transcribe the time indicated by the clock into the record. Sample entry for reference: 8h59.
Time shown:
3h15
